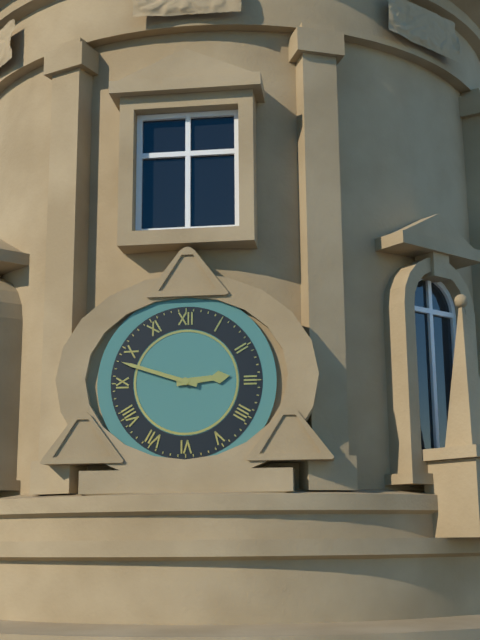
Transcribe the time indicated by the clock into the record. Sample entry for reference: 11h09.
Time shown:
2h48
